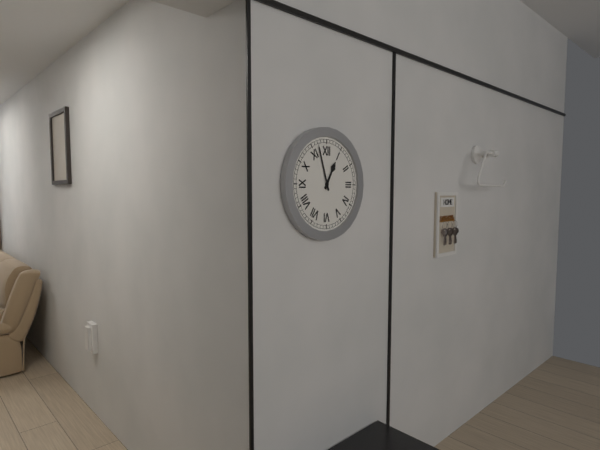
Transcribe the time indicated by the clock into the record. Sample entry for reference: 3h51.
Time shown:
12h57
